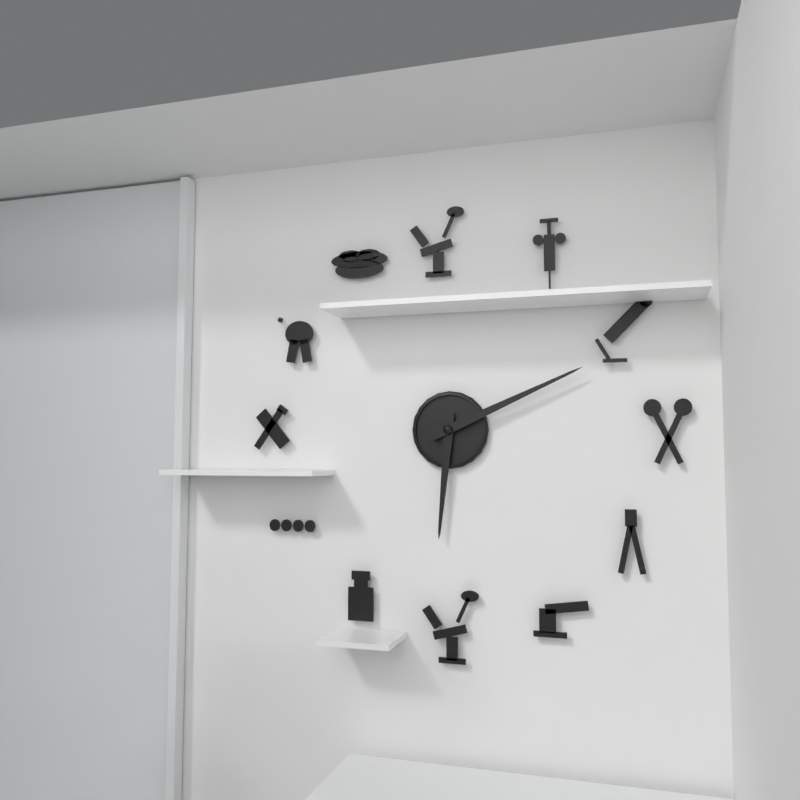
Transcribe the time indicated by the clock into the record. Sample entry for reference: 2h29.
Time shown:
6h11
